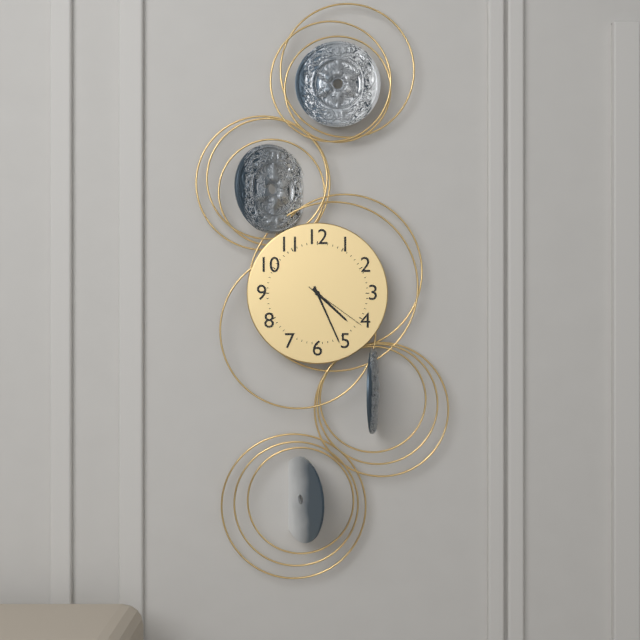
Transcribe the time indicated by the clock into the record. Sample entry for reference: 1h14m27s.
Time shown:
4h26m21s
